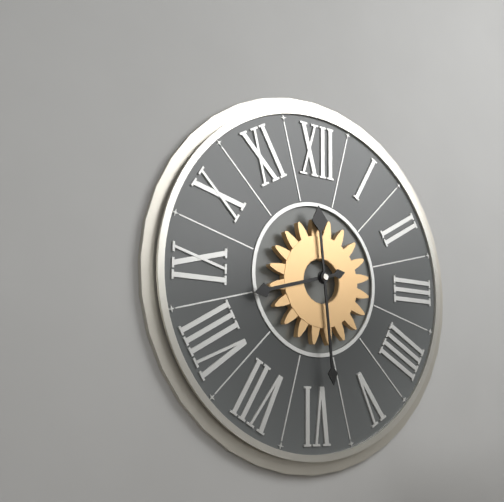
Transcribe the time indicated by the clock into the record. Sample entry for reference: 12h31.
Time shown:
8h29
